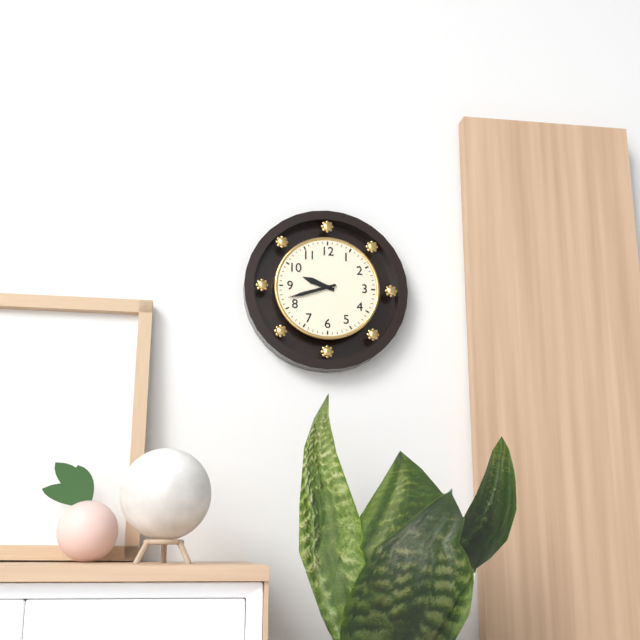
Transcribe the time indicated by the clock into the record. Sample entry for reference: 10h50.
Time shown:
9h42
